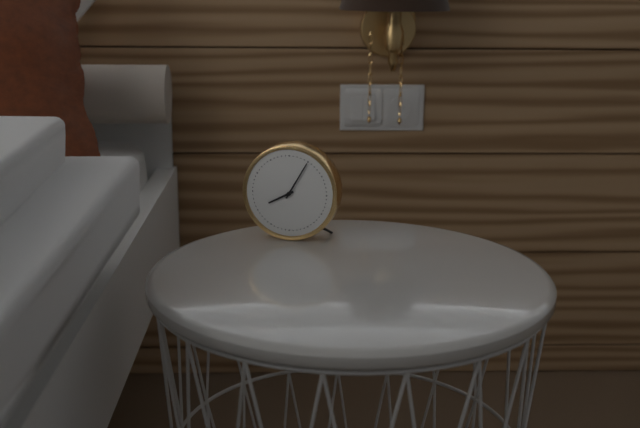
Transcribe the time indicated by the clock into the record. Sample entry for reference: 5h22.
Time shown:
8h05
